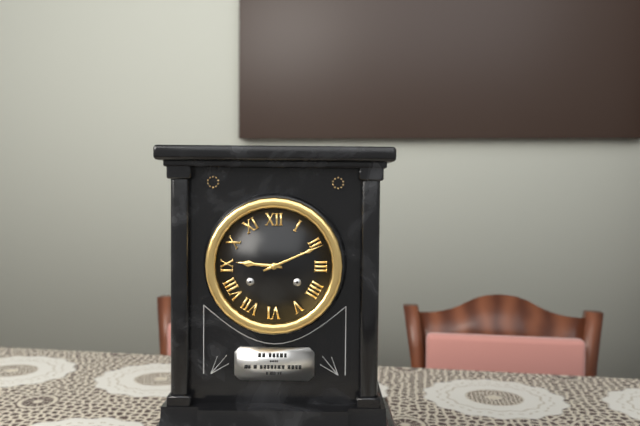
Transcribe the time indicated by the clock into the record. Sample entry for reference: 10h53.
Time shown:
9h11
